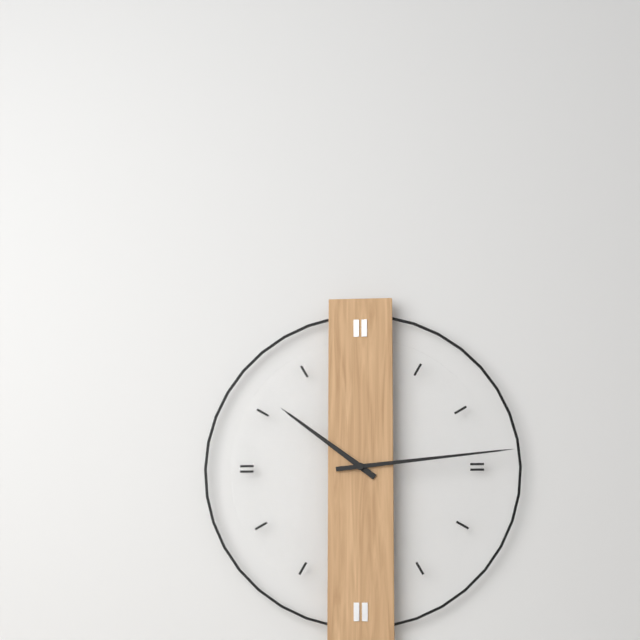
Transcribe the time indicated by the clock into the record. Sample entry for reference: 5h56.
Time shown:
10h14
